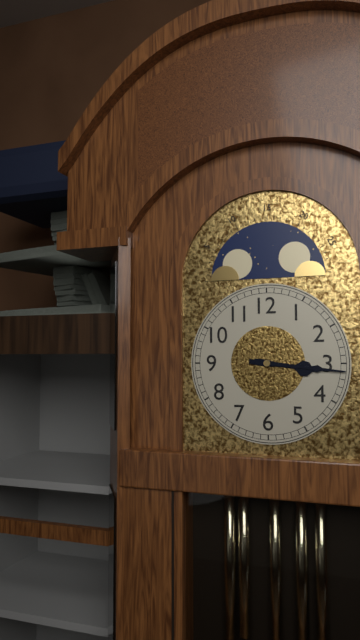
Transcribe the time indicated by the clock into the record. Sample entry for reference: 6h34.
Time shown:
3h16
